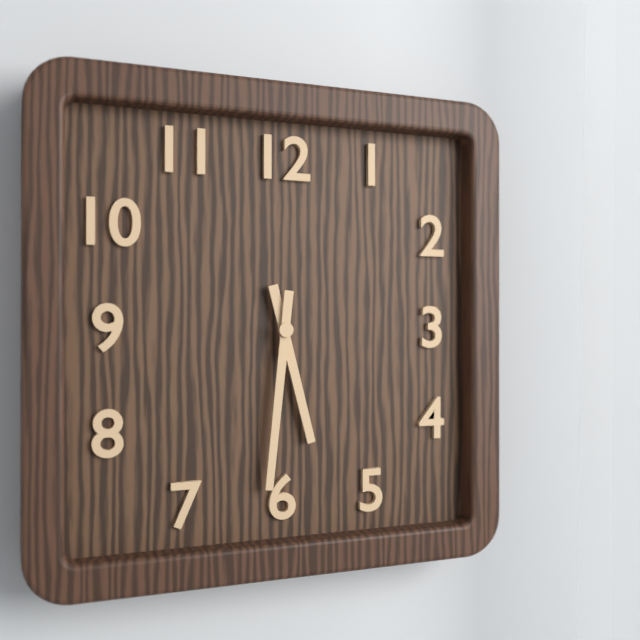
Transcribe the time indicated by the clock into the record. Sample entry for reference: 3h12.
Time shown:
5h31
